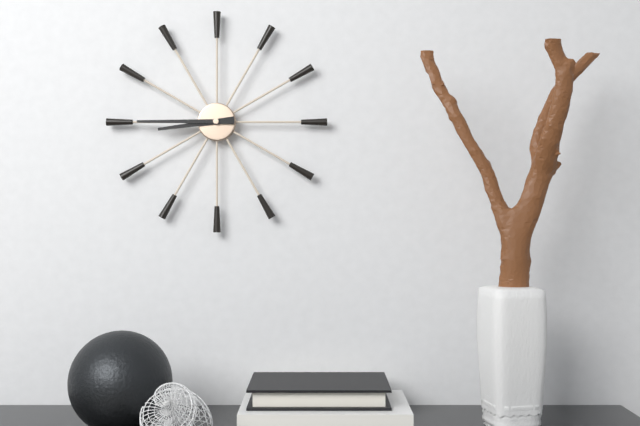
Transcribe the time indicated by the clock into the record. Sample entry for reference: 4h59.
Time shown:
8h45
